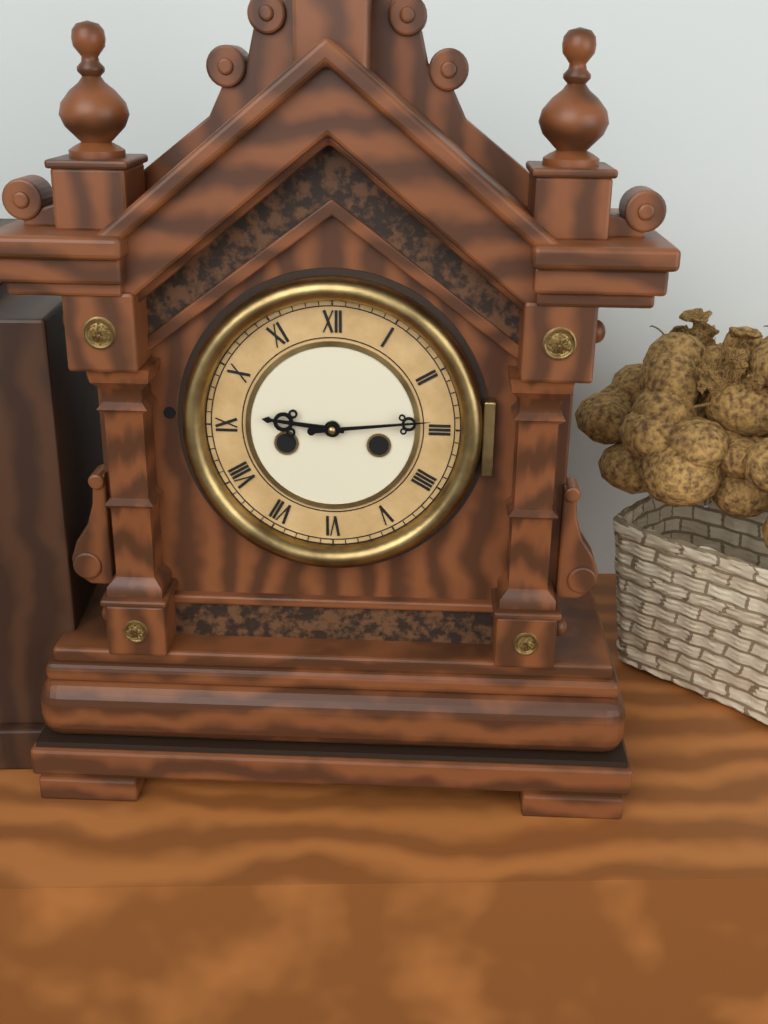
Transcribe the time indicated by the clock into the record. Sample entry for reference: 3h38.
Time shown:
9h14
